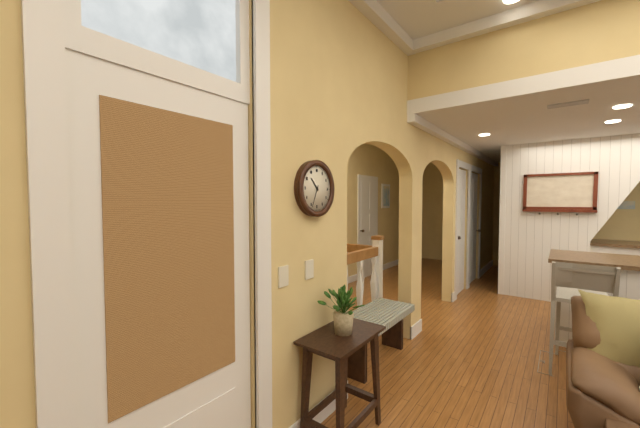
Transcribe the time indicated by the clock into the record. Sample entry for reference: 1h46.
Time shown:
10h34
